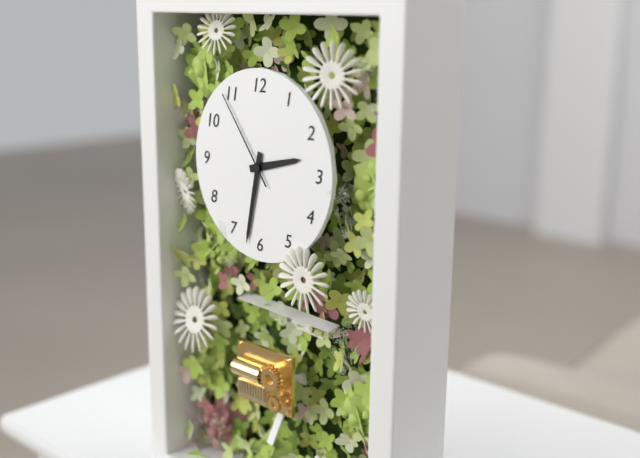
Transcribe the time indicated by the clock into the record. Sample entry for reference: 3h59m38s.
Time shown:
2h32m54s
